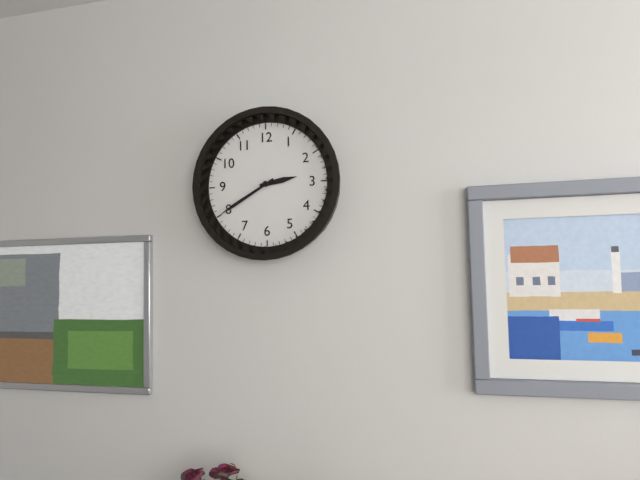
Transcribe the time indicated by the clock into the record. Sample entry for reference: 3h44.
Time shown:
2h40
